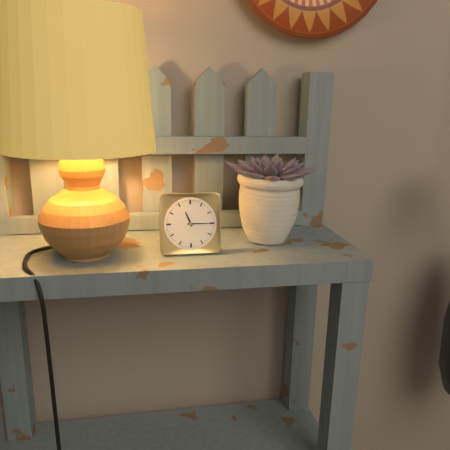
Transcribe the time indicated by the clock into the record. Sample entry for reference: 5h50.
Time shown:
11h15
